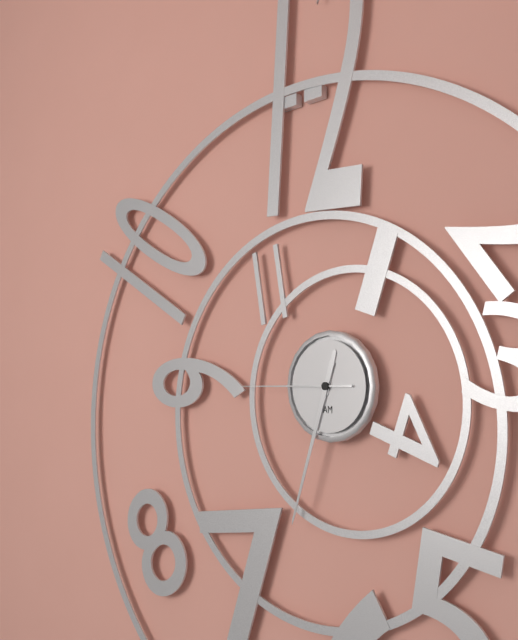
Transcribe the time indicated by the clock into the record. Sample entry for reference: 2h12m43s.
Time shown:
12h33m45s
